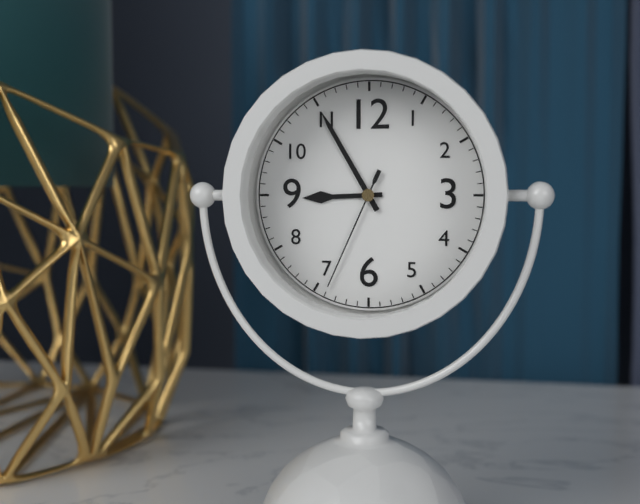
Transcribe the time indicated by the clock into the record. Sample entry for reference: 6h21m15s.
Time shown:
8h55m34s
